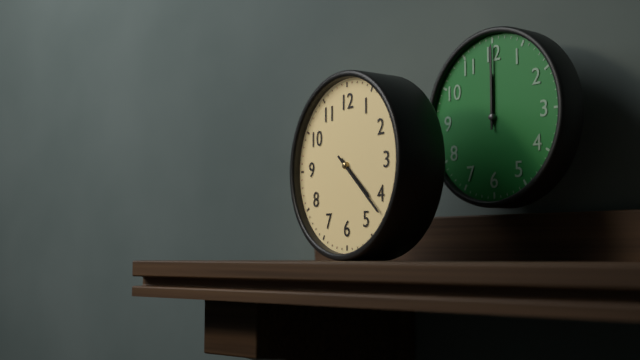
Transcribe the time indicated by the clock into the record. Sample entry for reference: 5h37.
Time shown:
4h22
